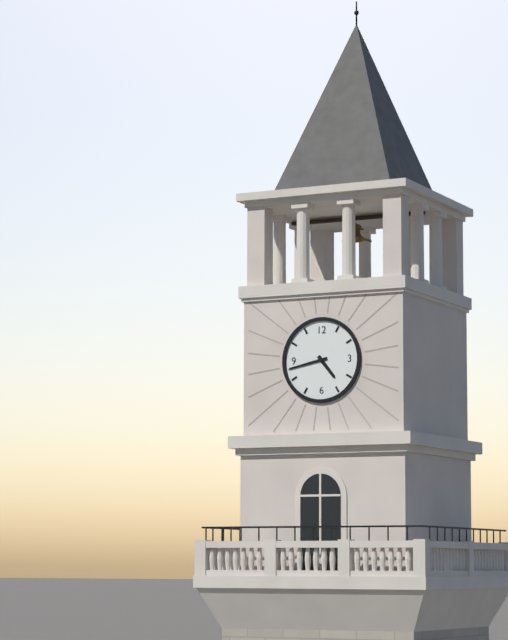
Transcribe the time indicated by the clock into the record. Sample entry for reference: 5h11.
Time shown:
4h43
